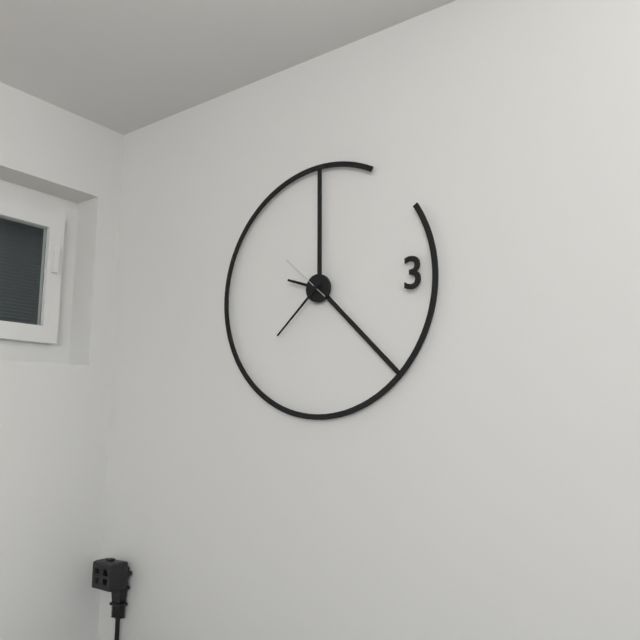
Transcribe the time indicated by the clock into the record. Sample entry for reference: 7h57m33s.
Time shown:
9h38m52s
